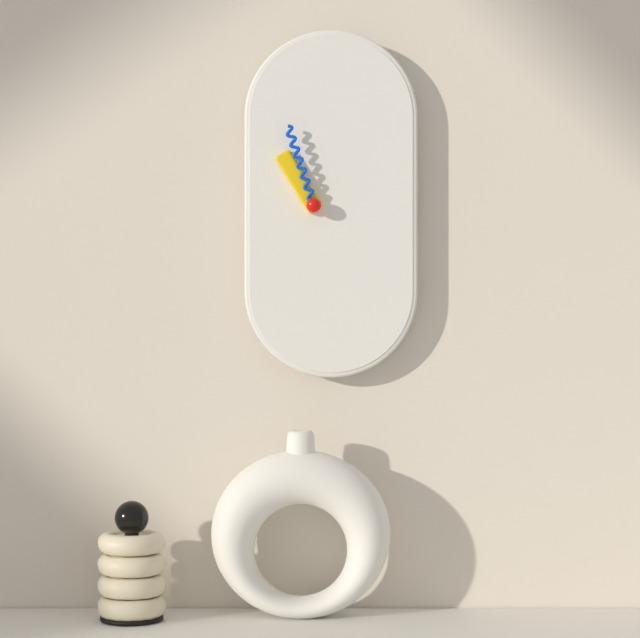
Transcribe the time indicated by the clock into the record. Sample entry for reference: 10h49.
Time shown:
10h57
